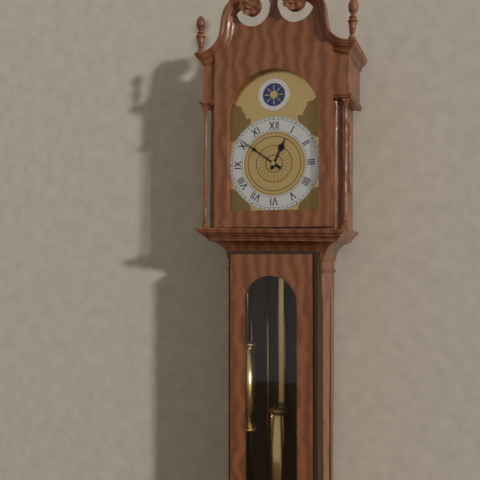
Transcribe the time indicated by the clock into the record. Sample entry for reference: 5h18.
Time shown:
12h51
